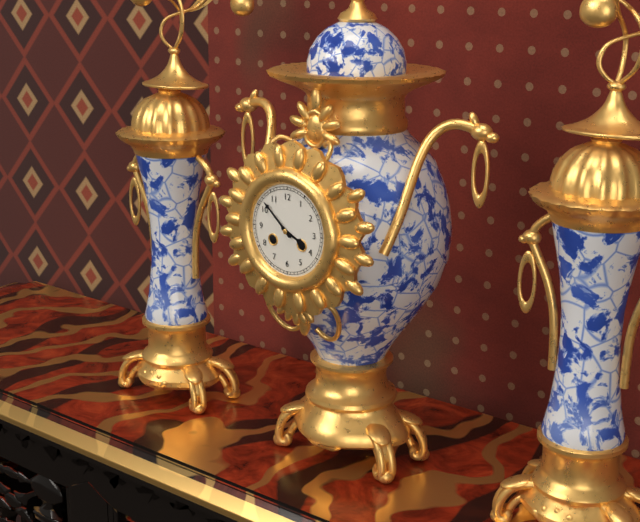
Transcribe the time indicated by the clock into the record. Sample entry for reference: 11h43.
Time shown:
3h52
